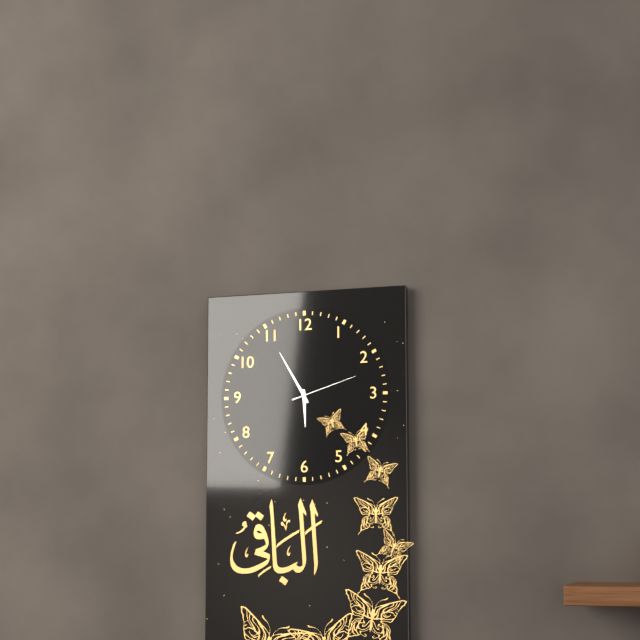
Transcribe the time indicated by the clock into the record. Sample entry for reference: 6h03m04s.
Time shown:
5h55m12s
